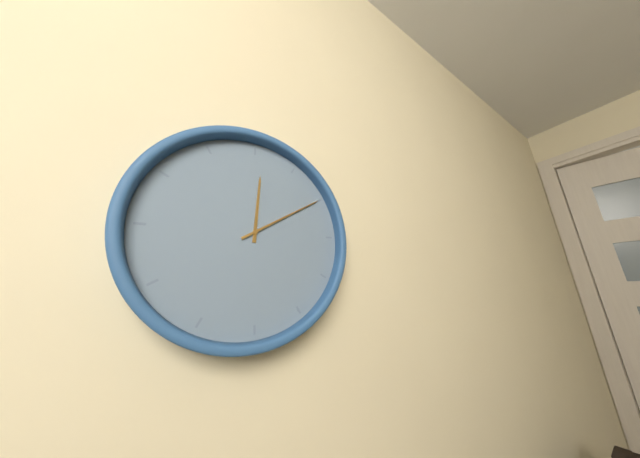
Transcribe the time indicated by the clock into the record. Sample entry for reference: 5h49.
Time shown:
12h10
